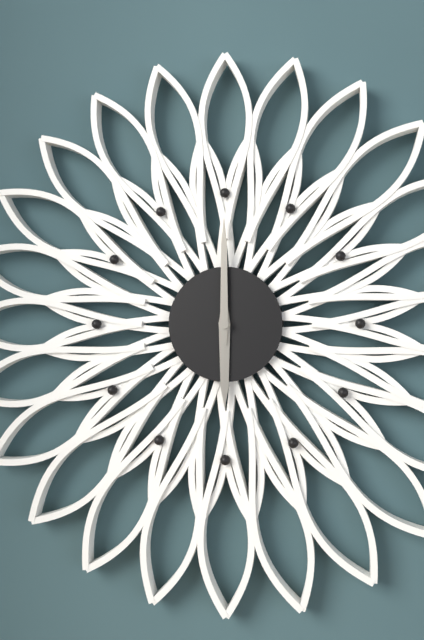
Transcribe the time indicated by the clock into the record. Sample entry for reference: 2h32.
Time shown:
6h00
